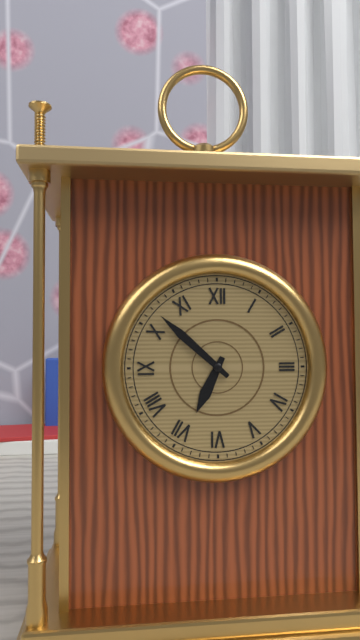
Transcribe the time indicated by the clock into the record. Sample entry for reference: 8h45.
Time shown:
6h52
